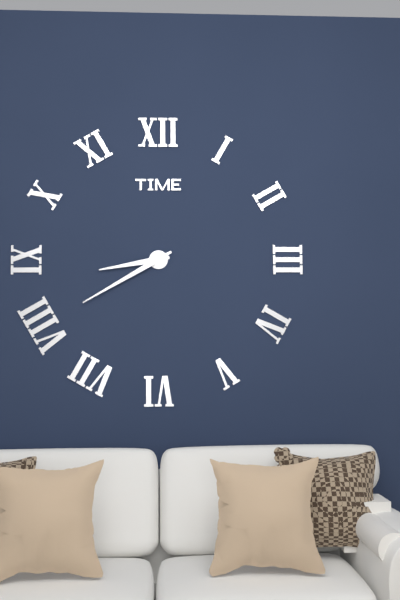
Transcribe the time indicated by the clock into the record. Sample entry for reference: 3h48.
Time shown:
8h40
